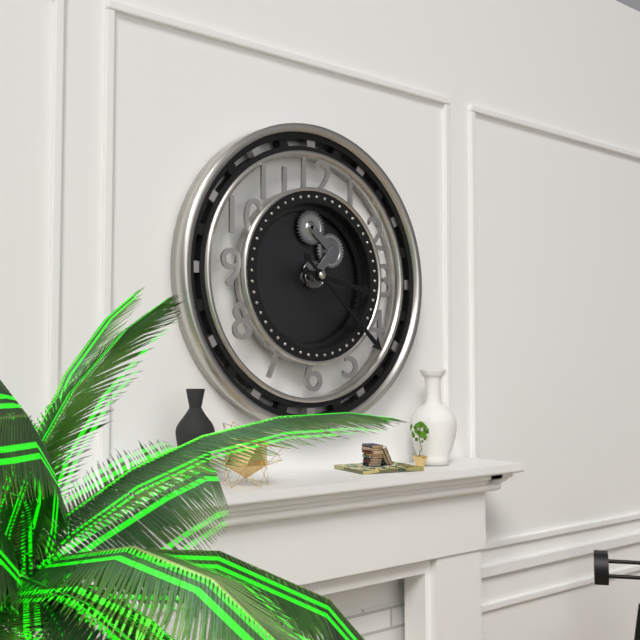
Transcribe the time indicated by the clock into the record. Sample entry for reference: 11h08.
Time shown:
3h22
